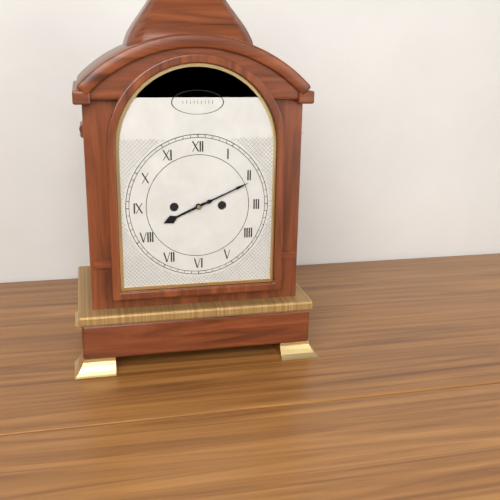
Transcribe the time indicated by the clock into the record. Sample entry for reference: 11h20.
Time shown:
8h11
